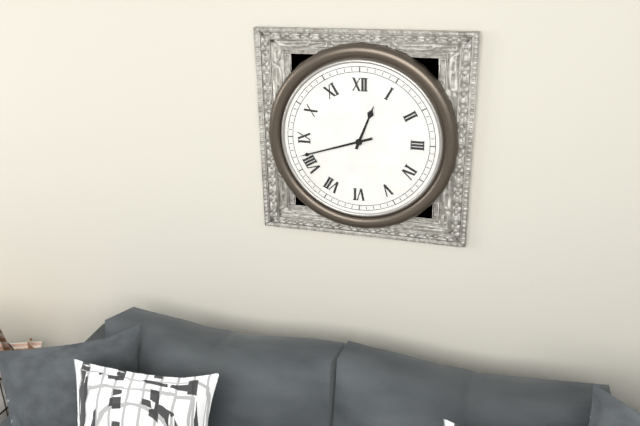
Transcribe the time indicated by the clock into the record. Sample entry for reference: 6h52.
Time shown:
12h42
